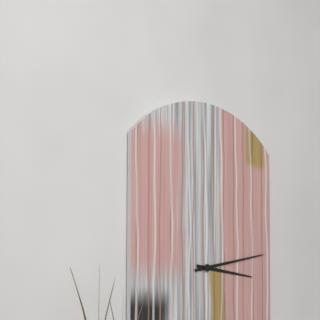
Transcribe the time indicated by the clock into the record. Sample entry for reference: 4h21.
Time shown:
3h13
